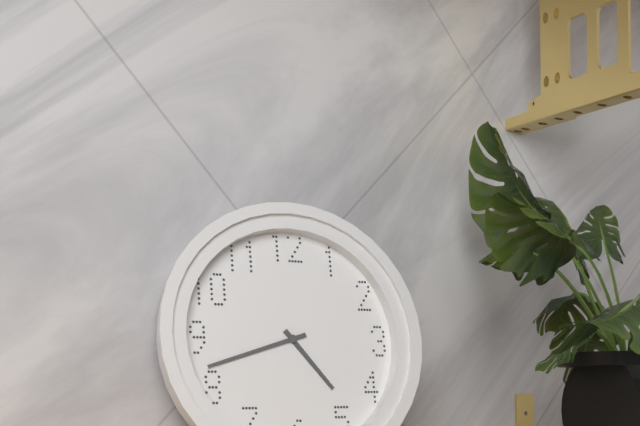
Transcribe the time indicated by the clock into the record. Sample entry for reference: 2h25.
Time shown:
4h42
